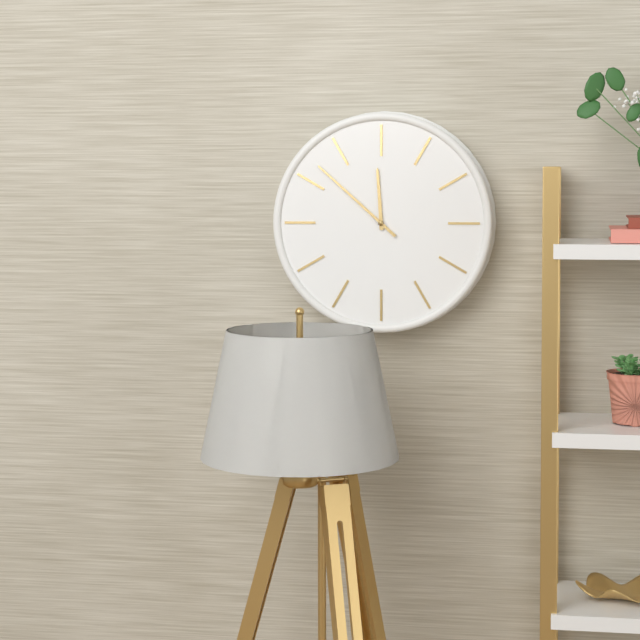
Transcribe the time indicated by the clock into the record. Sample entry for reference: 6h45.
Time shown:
11h52
